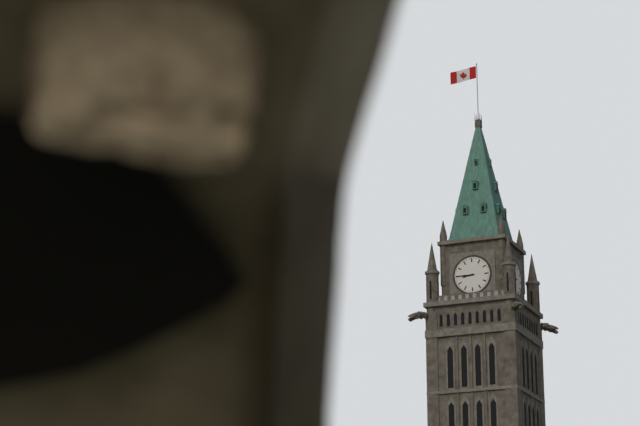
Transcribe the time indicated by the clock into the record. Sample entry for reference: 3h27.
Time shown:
8h45
